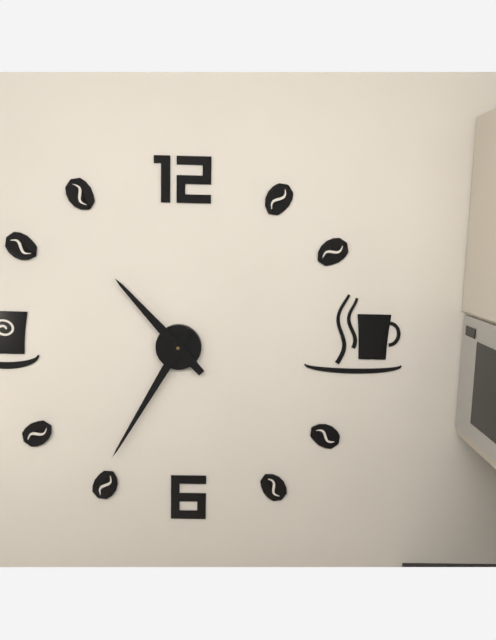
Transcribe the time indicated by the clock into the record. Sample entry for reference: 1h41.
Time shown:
10h35
